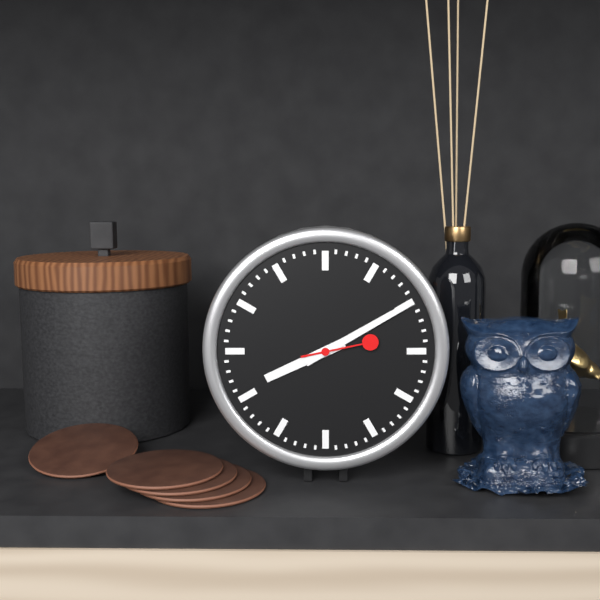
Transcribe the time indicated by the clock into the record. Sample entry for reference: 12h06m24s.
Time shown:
8h10m13s
